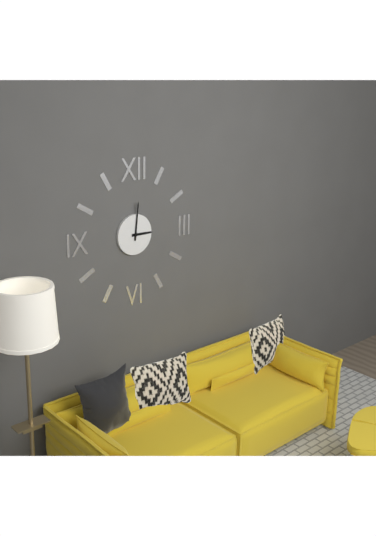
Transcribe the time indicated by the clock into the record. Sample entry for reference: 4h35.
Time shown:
3h01
